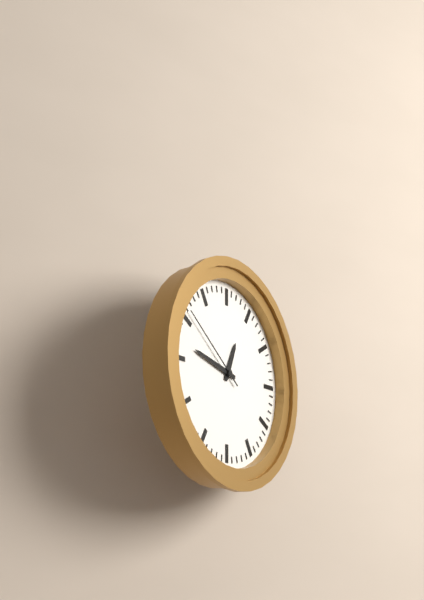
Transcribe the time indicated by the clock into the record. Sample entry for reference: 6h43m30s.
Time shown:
12h47m51s
